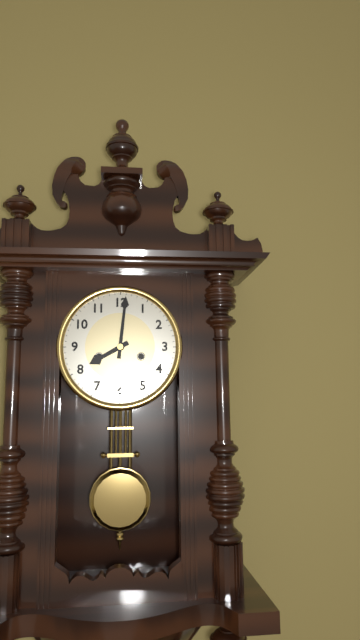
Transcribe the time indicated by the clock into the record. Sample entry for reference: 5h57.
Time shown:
8h01
